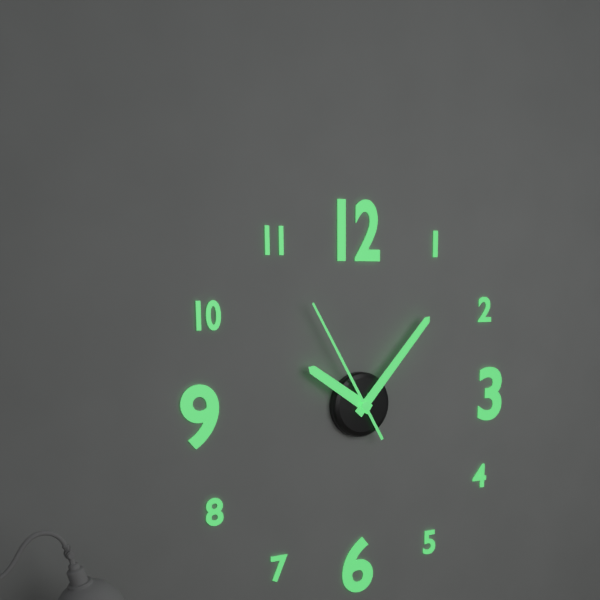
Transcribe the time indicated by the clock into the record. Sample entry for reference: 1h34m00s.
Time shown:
10h07m55s
